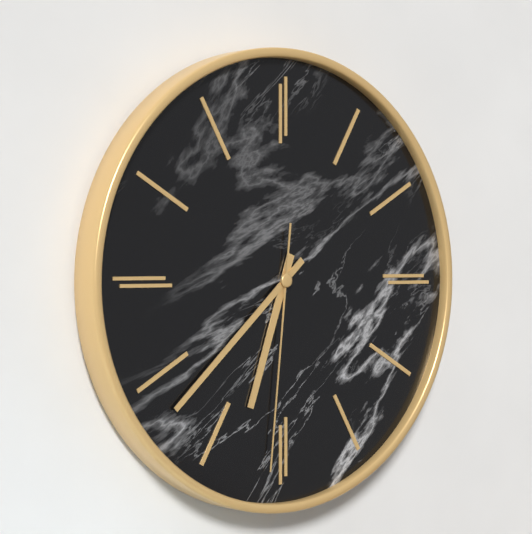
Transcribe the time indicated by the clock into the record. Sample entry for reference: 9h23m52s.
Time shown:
6h38m31s
